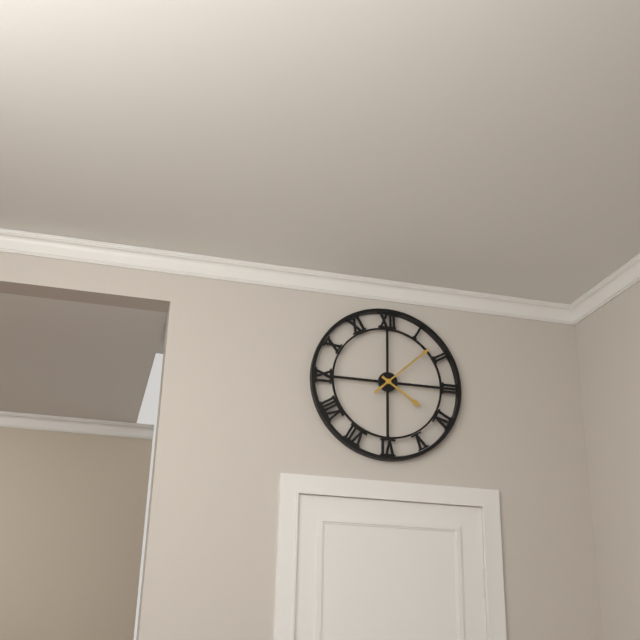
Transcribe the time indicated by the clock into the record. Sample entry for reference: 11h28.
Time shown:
4h08
